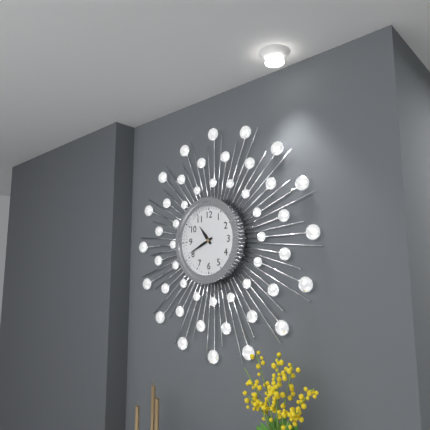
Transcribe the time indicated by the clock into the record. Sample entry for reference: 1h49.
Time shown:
10h41
